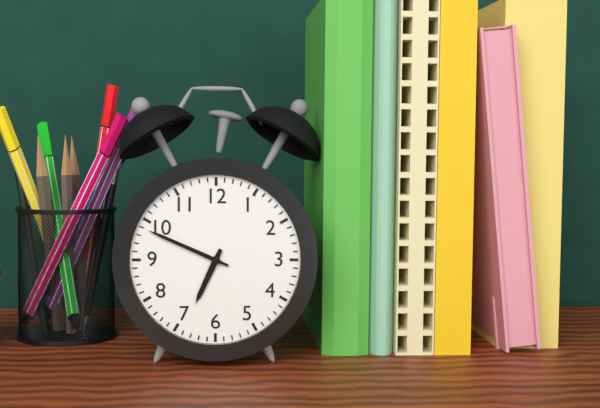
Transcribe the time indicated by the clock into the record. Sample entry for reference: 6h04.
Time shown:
6h49
